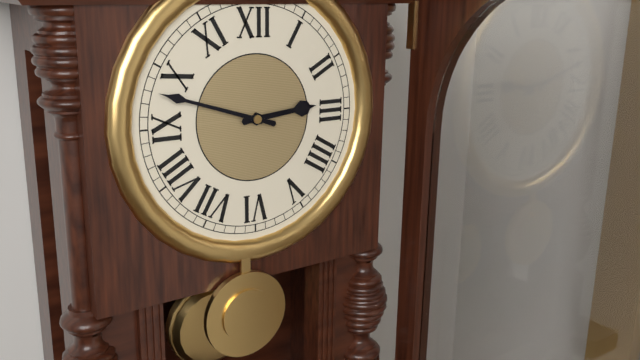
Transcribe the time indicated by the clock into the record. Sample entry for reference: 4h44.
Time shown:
2h48
